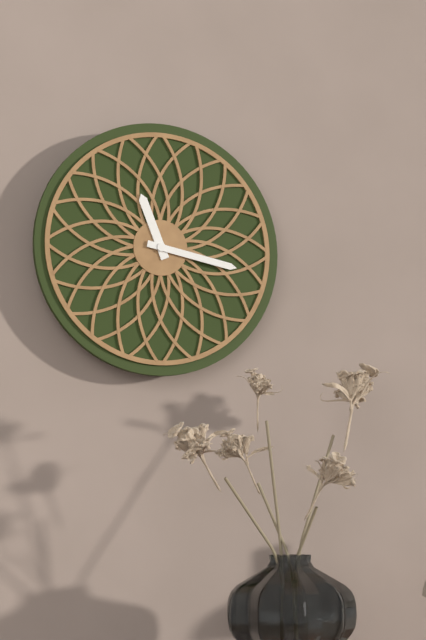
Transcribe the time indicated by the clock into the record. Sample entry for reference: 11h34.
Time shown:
11h17
